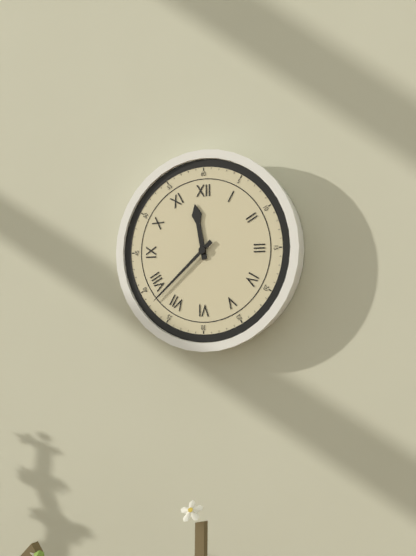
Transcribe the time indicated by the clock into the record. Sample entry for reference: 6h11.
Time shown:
11h38
